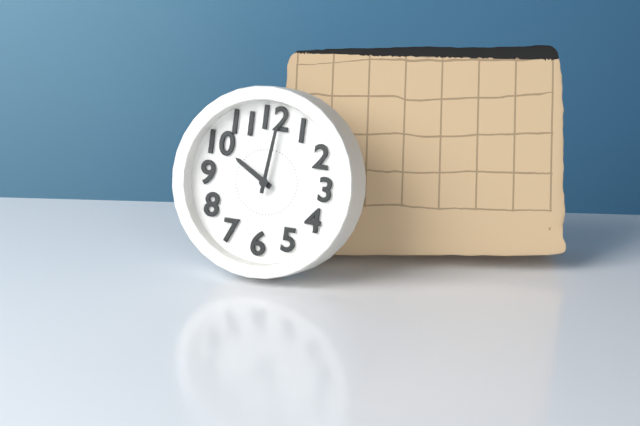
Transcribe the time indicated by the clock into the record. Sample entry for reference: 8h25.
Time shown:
10h01
